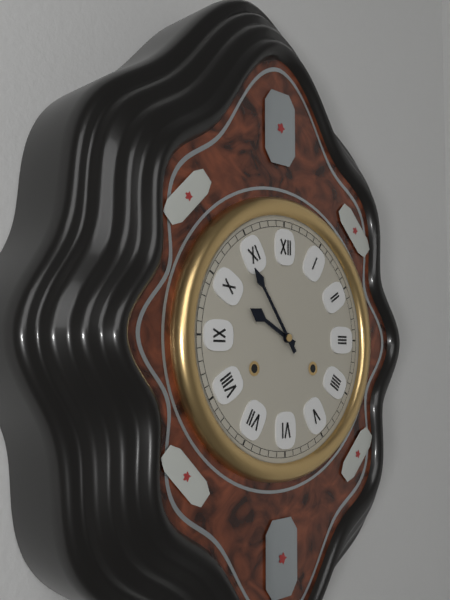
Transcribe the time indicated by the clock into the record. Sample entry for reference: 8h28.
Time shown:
9h54
